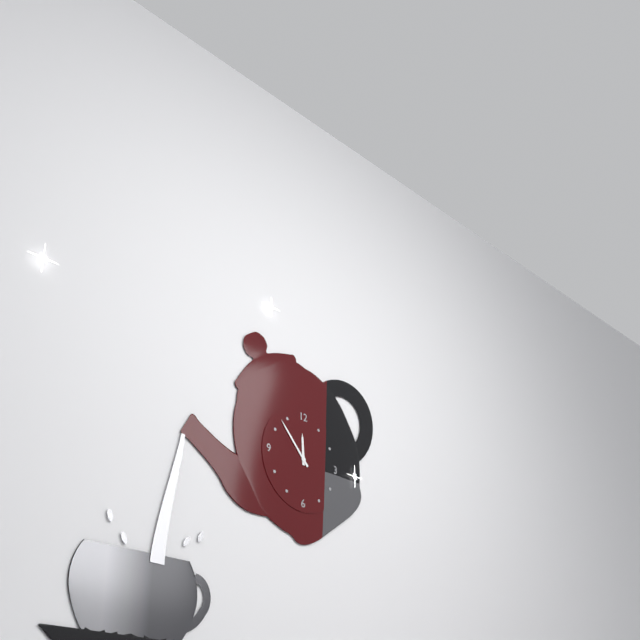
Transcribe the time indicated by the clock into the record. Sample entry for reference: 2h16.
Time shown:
11h53
